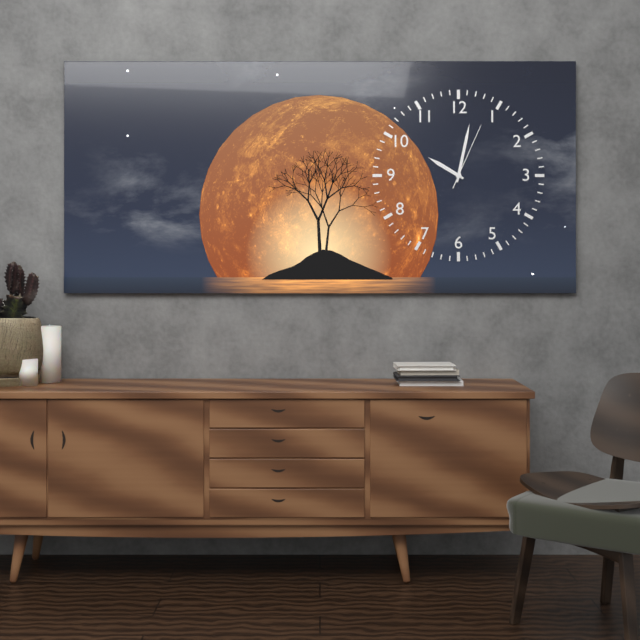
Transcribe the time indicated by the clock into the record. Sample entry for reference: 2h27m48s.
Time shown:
10h02m04s
